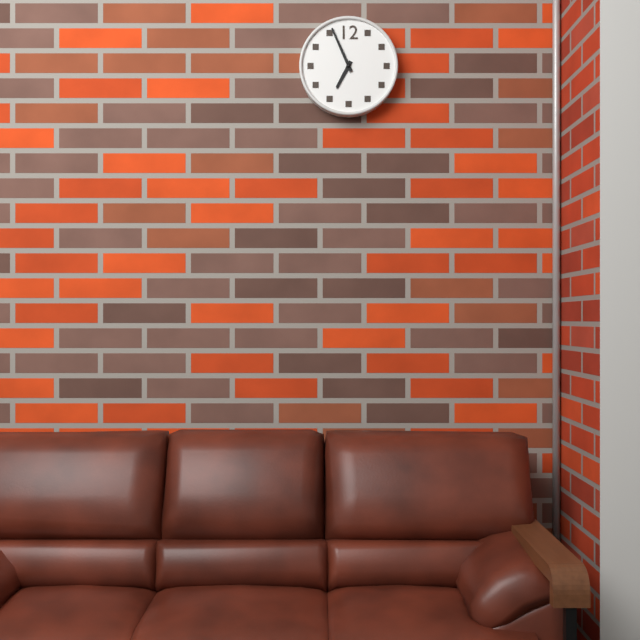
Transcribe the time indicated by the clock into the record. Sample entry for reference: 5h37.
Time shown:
6h56
